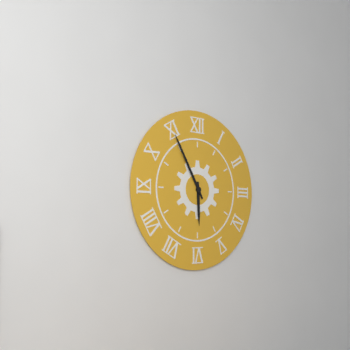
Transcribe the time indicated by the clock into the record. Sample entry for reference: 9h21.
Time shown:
5h55
